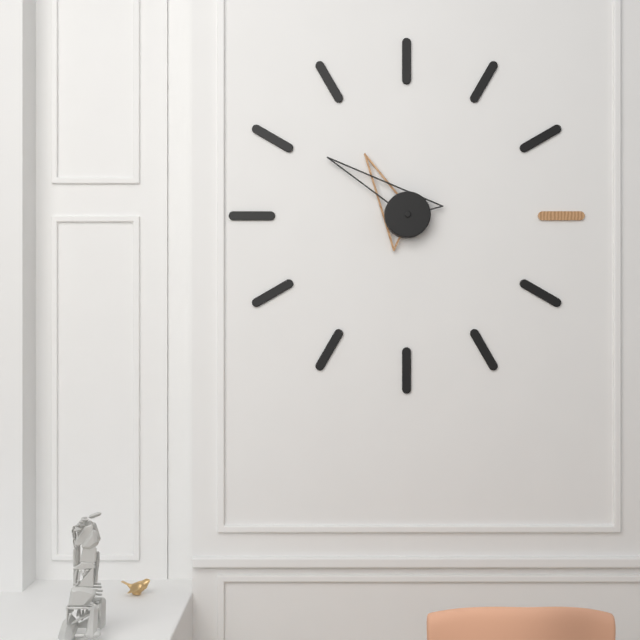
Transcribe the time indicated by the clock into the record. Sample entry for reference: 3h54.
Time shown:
10h51
